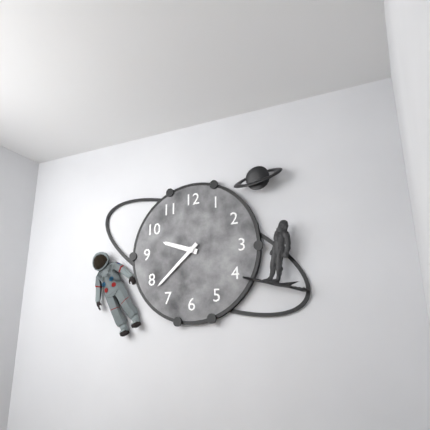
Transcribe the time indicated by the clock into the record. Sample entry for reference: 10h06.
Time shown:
9h38
